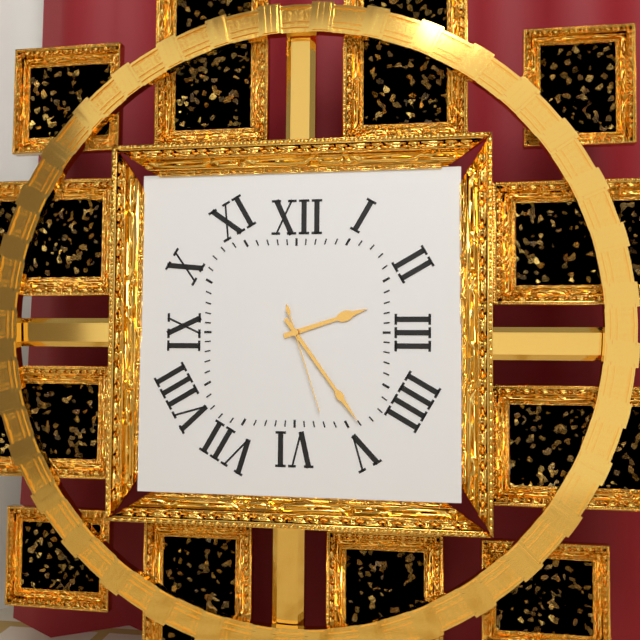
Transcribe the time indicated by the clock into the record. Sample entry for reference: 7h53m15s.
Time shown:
2h24m27s
